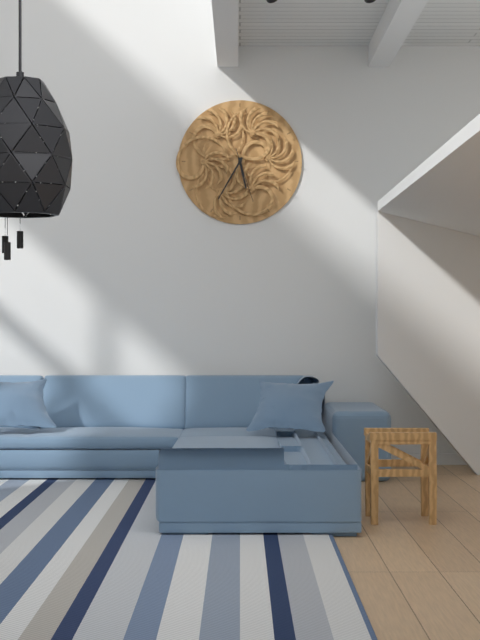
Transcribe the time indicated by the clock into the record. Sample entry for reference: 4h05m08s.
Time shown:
5h35m27s
